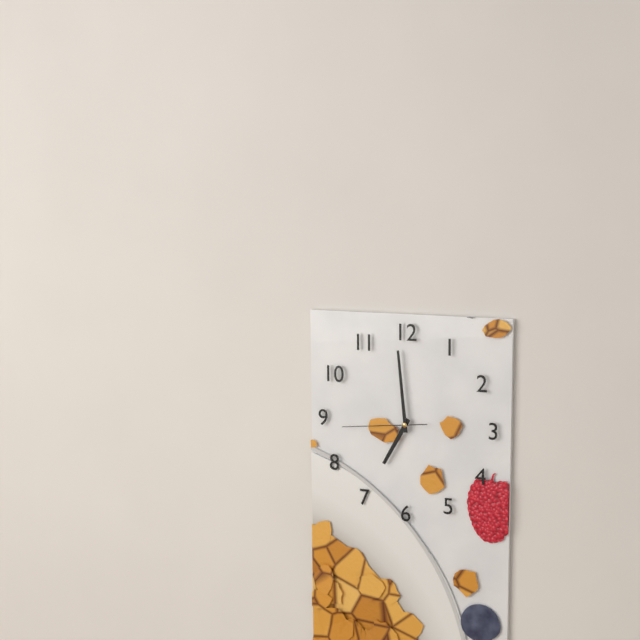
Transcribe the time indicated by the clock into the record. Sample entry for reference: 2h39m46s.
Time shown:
6h59m44s
